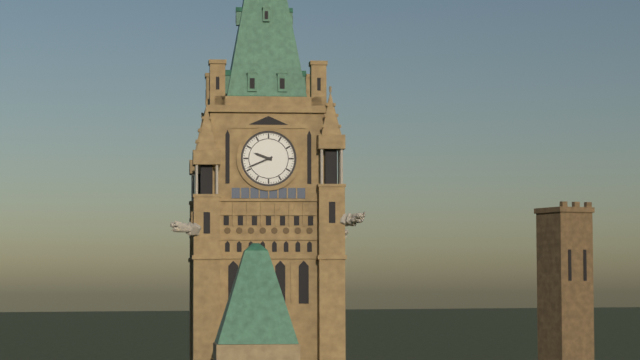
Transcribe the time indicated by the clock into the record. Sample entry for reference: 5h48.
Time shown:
9h41
